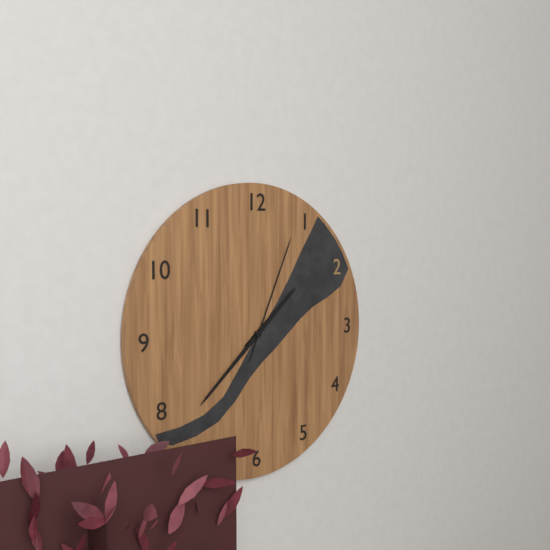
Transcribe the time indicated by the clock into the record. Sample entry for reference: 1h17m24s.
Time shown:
1h38m04s
